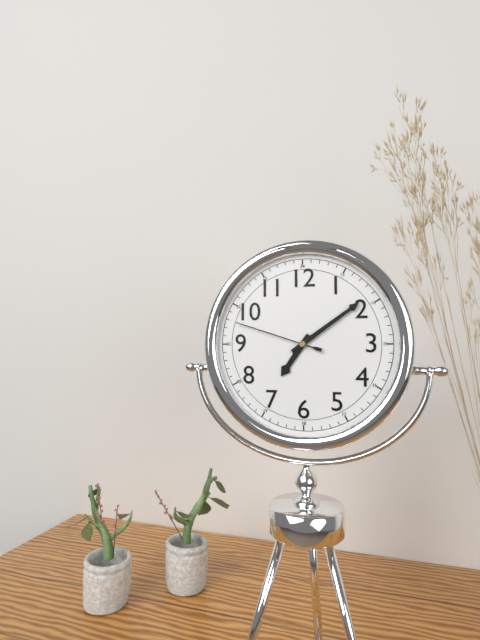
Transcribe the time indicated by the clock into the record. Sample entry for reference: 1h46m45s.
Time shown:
7h09m48s
